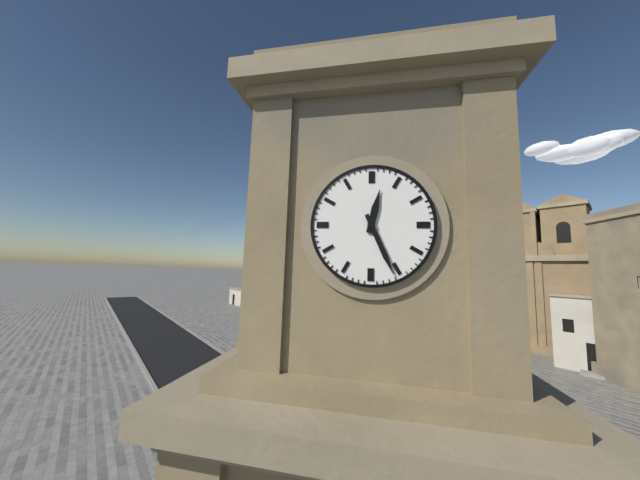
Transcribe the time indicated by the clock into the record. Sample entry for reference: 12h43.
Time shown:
12h26
